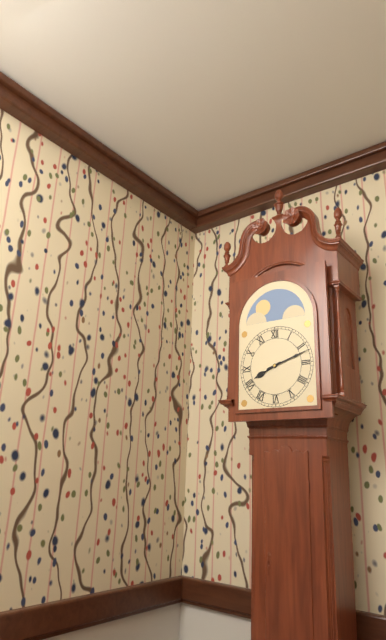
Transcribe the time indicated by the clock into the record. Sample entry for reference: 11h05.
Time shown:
8h12
